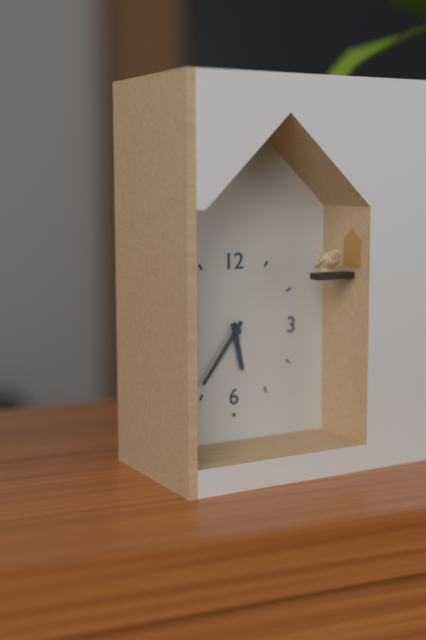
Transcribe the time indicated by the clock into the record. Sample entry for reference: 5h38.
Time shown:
5h36
